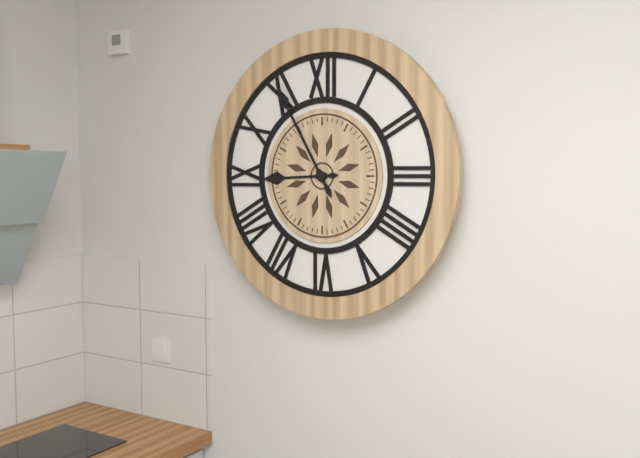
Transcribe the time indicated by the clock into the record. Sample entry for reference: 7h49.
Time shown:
8h55
